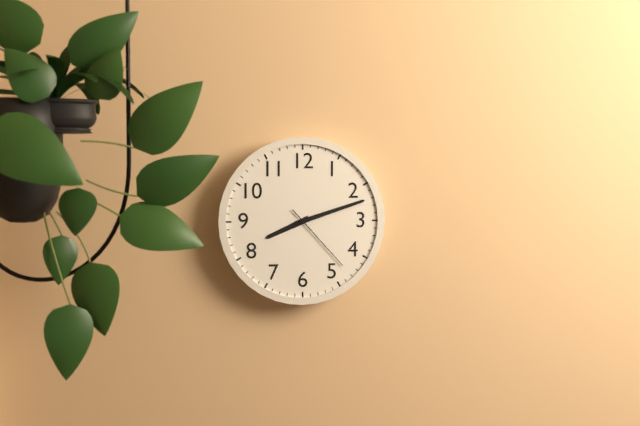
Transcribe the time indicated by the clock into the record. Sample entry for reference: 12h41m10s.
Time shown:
8h12m23s
